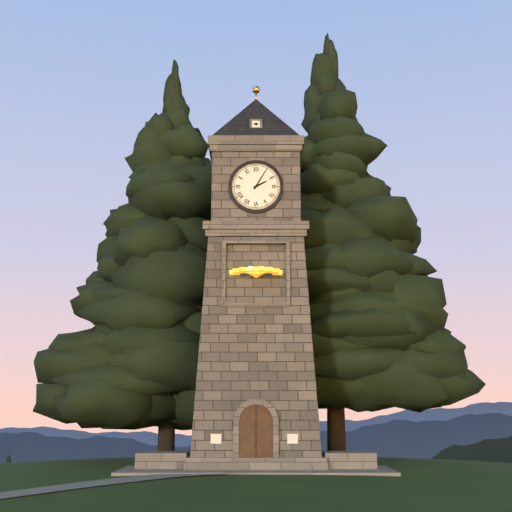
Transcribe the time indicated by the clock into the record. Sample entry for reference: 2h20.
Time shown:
2h05
